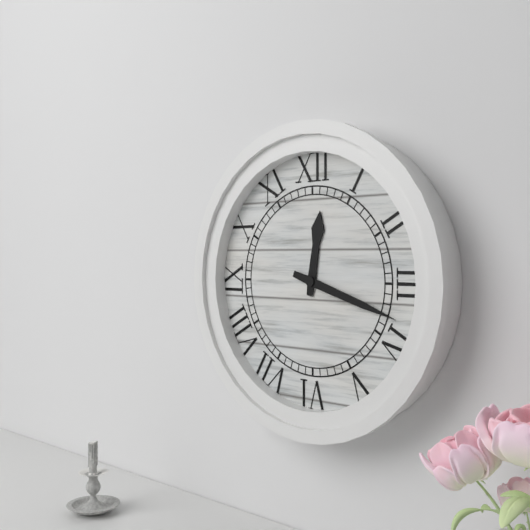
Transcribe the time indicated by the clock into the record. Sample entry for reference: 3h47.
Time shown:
12h18
